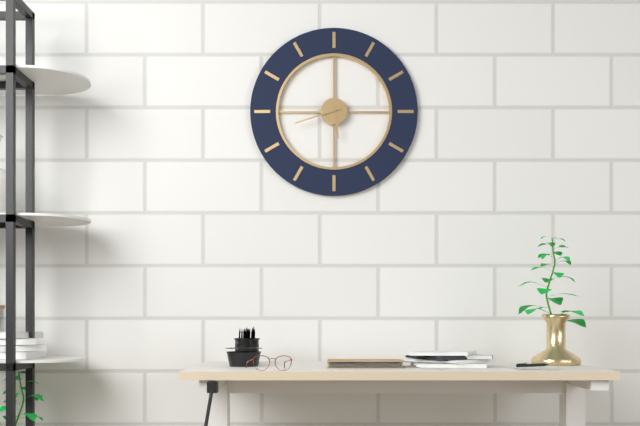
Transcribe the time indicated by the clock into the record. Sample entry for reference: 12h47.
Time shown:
5h42
